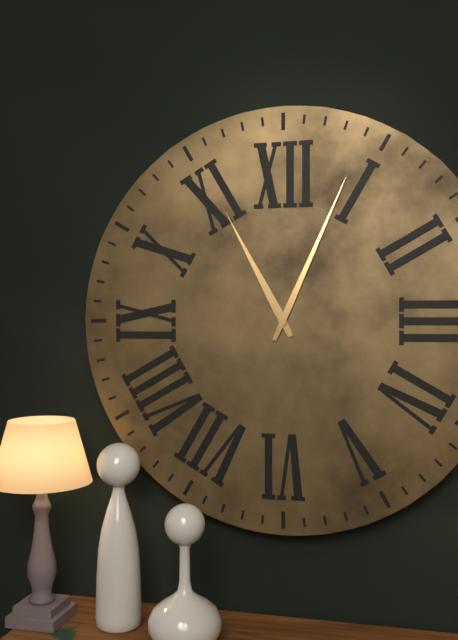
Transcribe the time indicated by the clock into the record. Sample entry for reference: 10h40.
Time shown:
11h04
